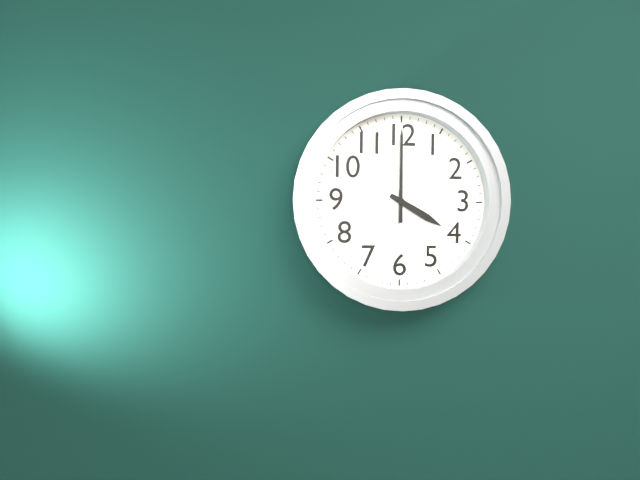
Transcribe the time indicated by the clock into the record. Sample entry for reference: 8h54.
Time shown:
4h00
